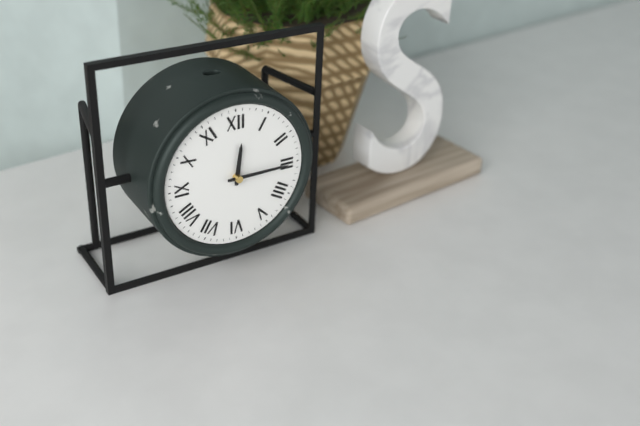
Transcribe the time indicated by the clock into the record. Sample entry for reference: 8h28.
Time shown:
12h15
